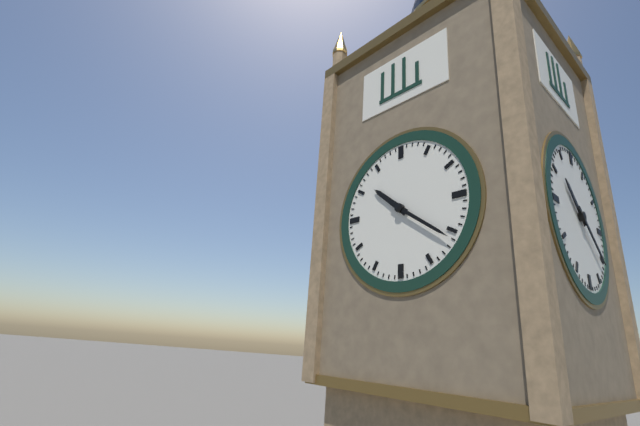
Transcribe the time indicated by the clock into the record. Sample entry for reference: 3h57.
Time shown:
10h21
